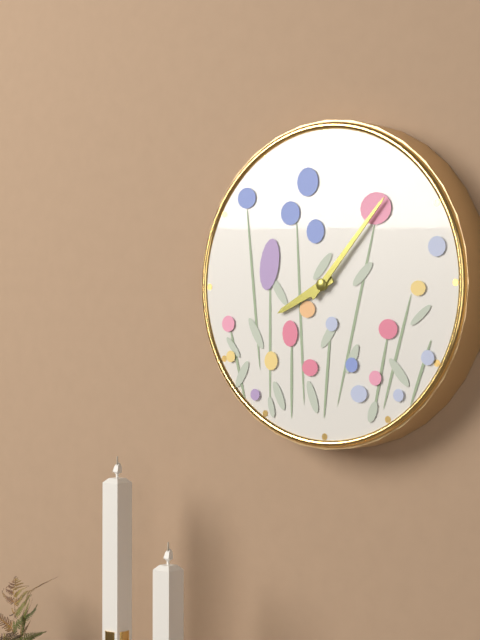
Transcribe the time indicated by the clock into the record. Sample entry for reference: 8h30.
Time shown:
8h07
